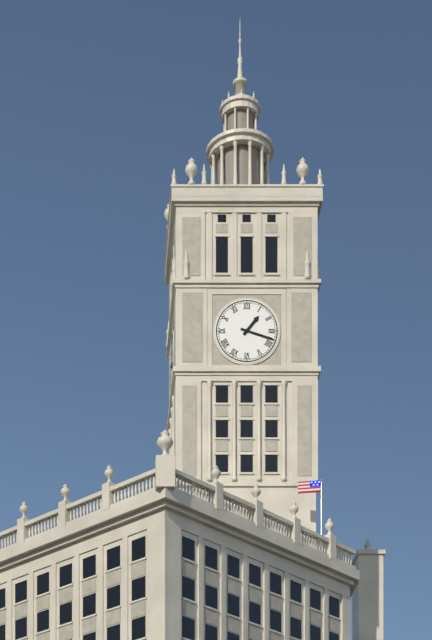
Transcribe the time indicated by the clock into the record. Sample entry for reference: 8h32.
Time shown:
1h18
